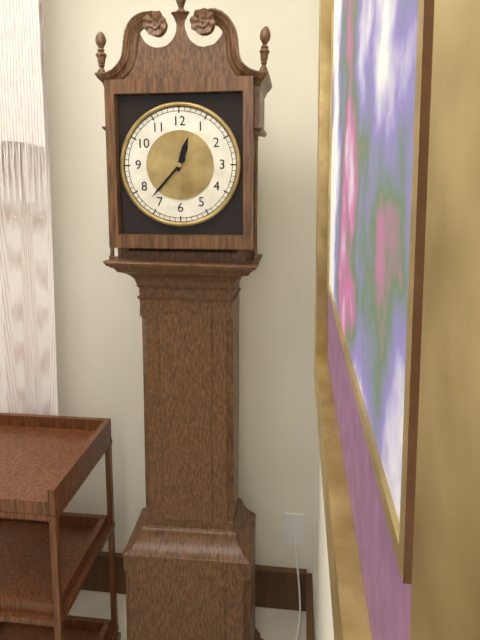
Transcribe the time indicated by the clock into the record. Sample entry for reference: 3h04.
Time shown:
12h37
